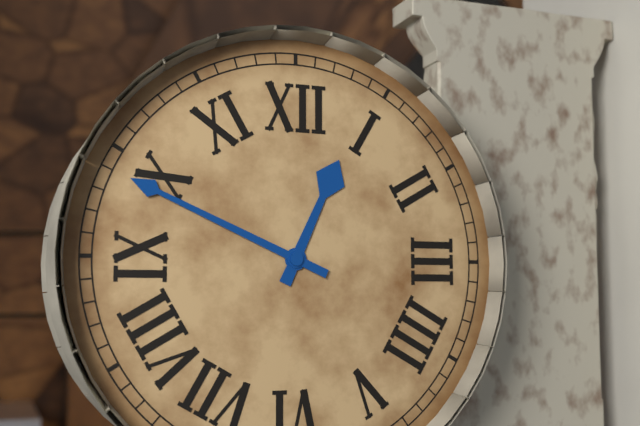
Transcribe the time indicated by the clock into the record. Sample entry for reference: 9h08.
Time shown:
12h49
